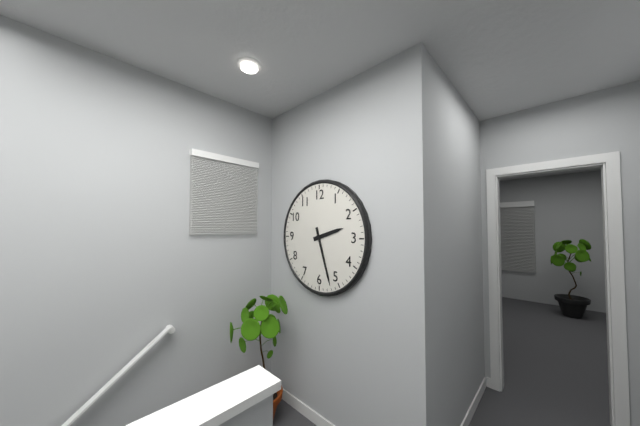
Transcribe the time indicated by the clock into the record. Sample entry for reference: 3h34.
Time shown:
2h27
